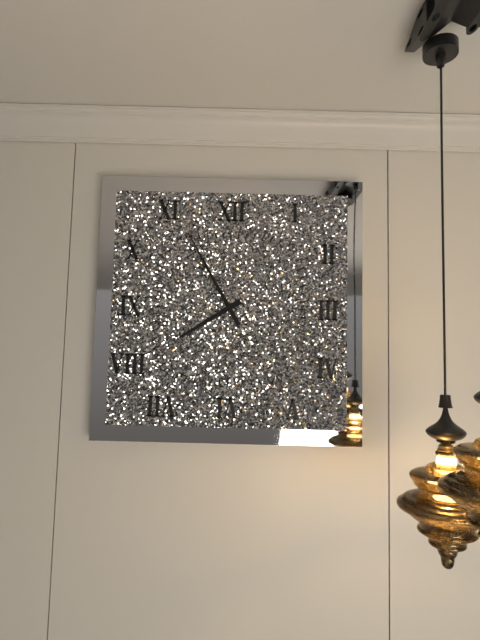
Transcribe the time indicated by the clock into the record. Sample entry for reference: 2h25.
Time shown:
7h55
